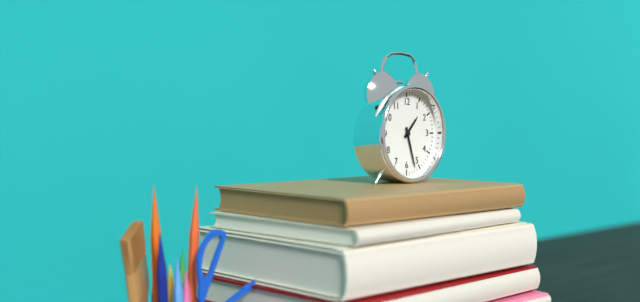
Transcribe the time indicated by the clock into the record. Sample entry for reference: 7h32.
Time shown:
1h27
